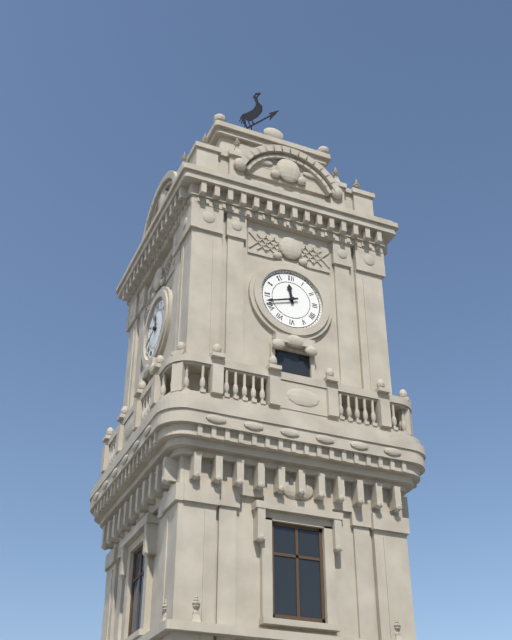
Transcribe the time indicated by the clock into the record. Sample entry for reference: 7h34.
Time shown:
11h42
